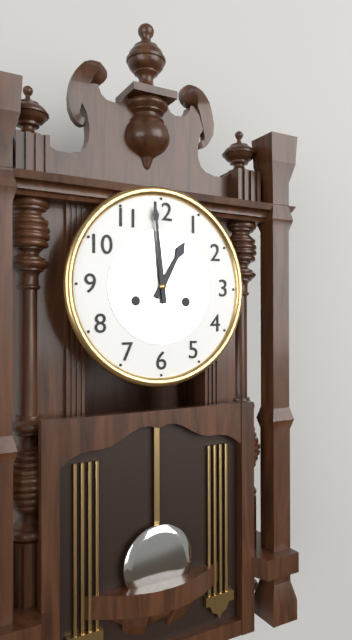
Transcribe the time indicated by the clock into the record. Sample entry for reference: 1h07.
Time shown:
12h59
